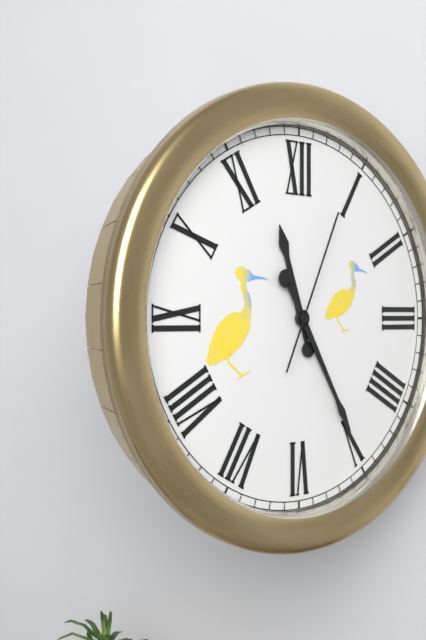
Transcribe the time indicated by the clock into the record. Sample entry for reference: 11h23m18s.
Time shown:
11h25m04s
